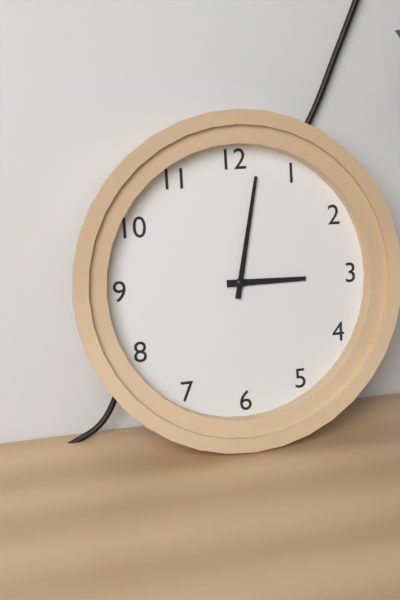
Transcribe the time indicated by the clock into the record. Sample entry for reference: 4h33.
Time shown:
3h02
